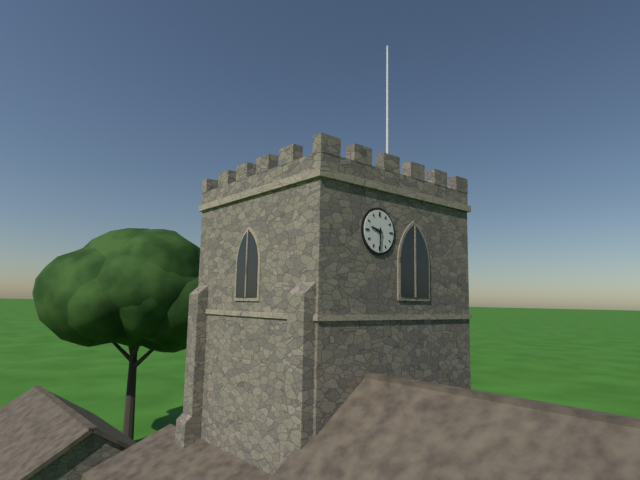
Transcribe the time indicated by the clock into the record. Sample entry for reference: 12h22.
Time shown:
9h30
